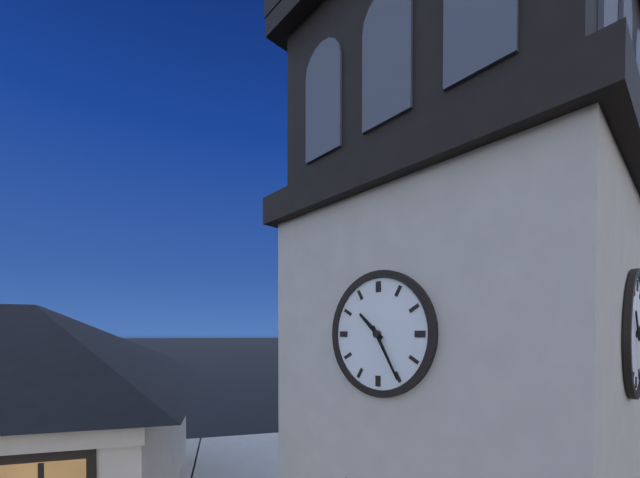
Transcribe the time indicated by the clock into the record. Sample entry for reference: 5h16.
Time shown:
10h25
